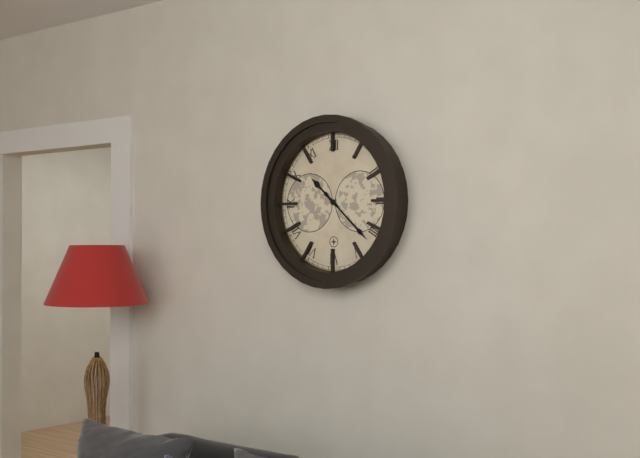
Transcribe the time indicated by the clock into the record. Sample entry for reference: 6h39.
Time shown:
10h22
